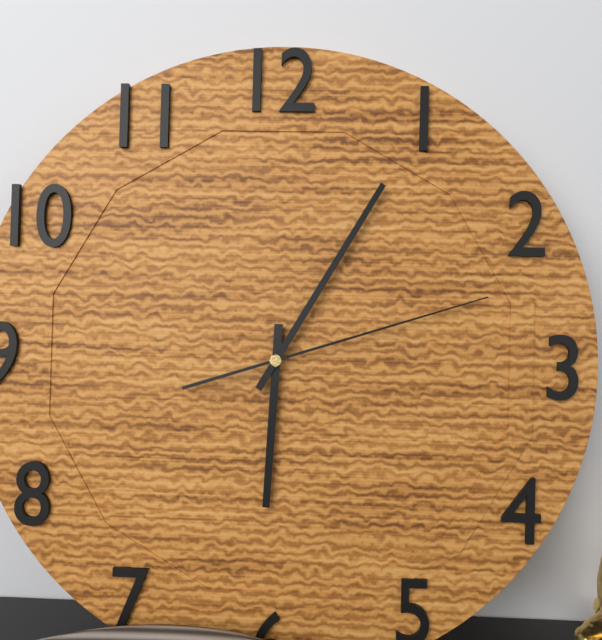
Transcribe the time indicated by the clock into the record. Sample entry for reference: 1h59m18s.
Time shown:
6h05m12s
